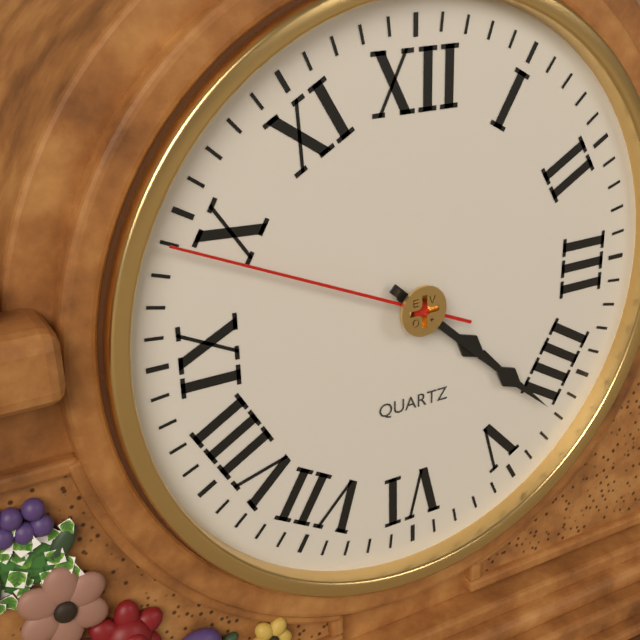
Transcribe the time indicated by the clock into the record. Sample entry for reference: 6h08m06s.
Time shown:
4h22m49s
